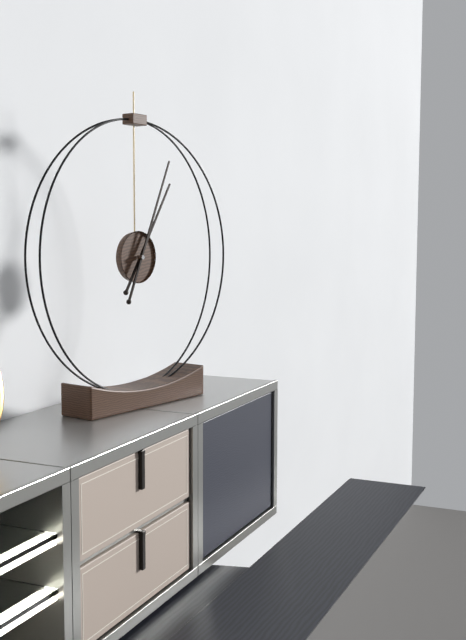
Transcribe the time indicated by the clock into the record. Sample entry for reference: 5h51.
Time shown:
1h04
